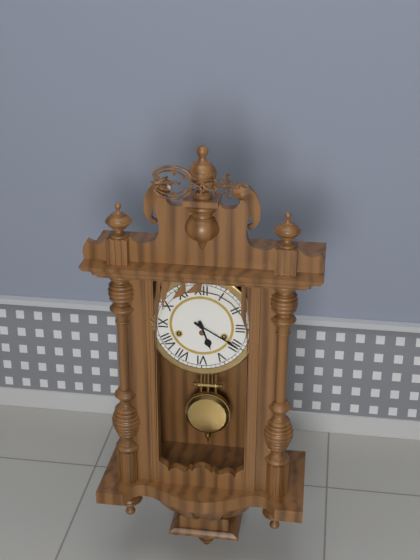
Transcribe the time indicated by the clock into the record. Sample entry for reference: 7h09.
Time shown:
5h20
